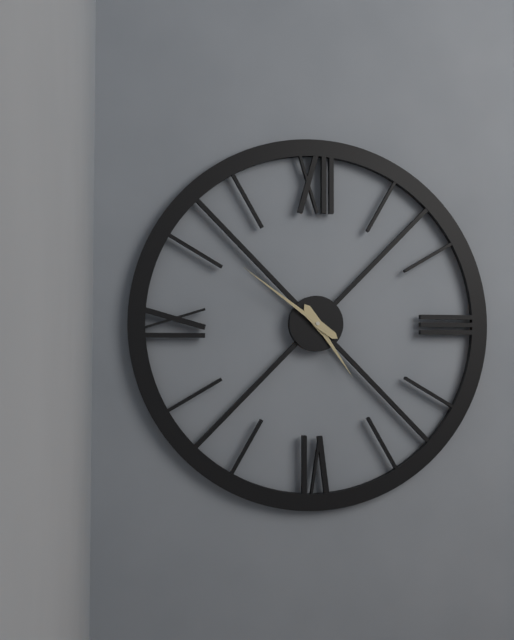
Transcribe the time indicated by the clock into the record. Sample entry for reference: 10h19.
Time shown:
4h51
